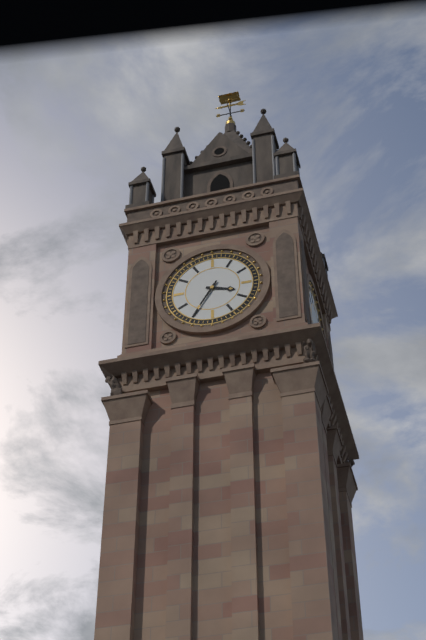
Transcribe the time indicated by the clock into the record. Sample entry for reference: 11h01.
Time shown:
3h35
